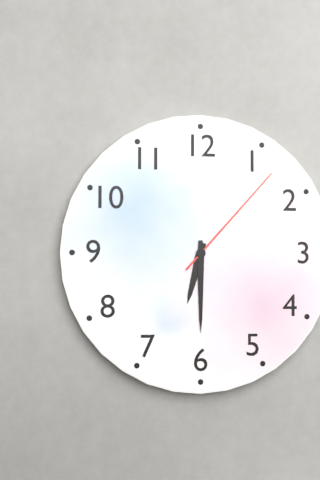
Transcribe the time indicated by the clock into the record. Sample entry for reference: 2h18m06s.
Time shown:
6h30m07s
